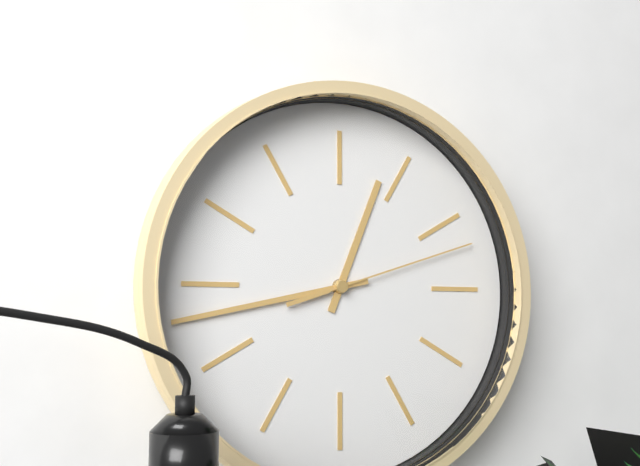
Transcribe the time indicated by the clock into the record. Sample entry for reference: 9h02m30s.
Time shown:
12h43m12s
